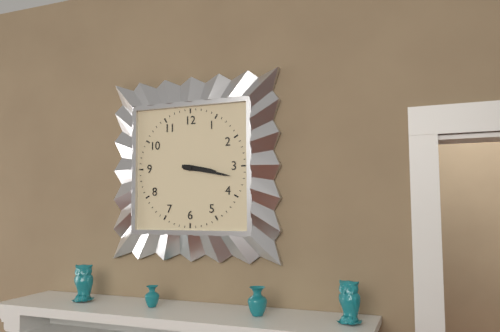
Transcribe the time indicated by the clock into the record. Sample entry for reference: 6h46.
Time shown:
3h17
